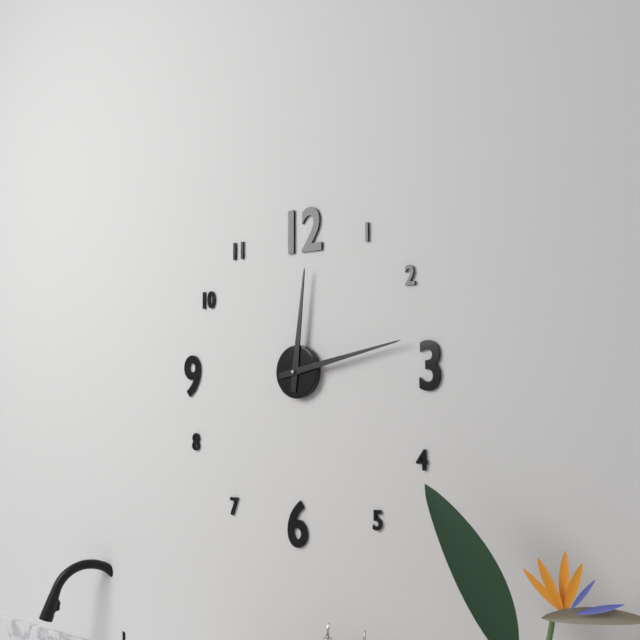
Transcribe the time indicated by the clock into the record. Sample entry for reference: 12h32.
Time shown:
12h13
